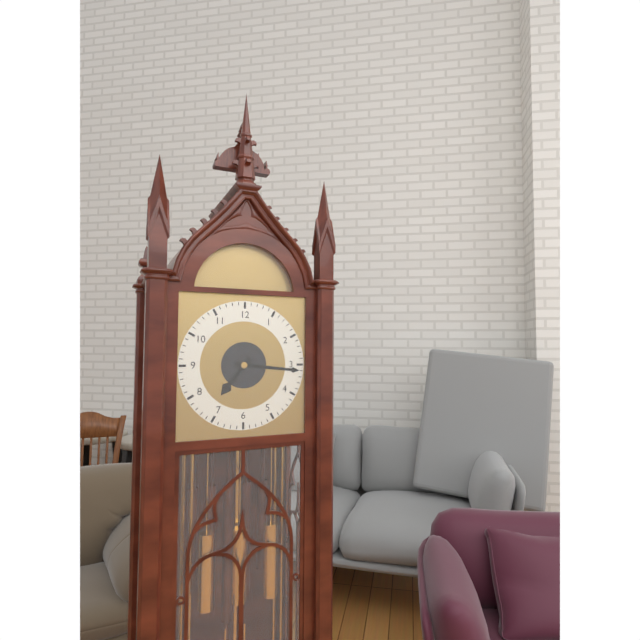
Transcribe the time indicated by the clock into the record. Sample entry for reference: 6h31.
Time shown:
7h16
